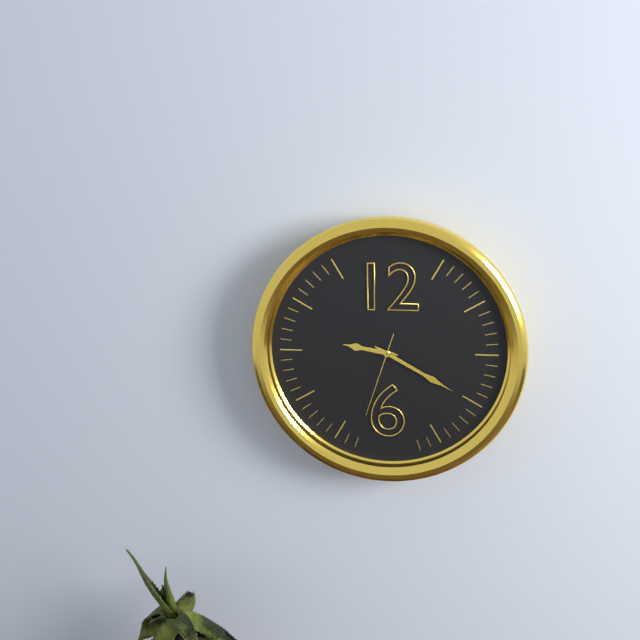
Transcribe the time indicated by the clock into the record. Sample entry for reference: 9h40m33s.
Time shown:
9h20m33s
